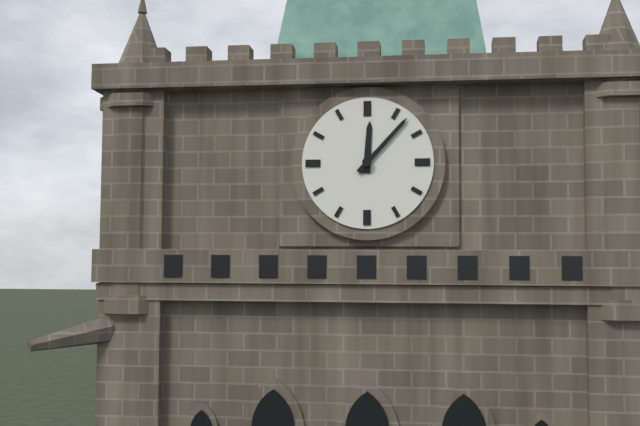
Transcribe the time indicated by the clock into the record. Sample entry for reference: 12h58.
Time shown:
12h07
